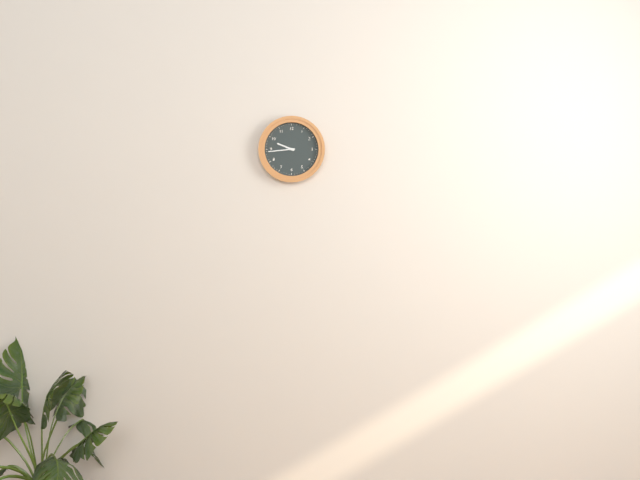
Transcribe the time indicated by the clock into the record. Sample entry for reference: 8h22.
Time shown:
9h44
